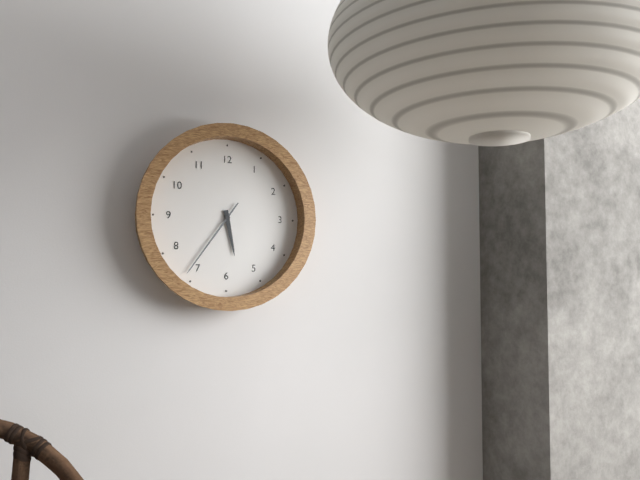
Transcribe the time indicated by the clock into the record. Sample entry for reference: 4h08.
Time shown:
5h36
